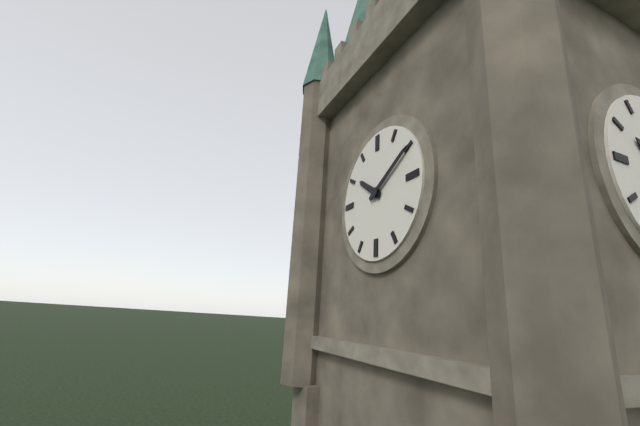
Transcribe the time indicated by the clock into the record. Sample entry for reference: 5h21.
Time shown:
10h10
